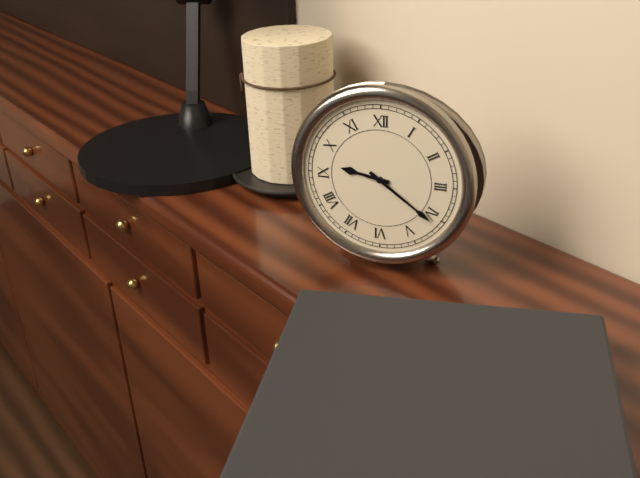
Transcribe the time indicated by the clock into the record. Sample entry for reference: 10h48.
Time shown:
9h21
